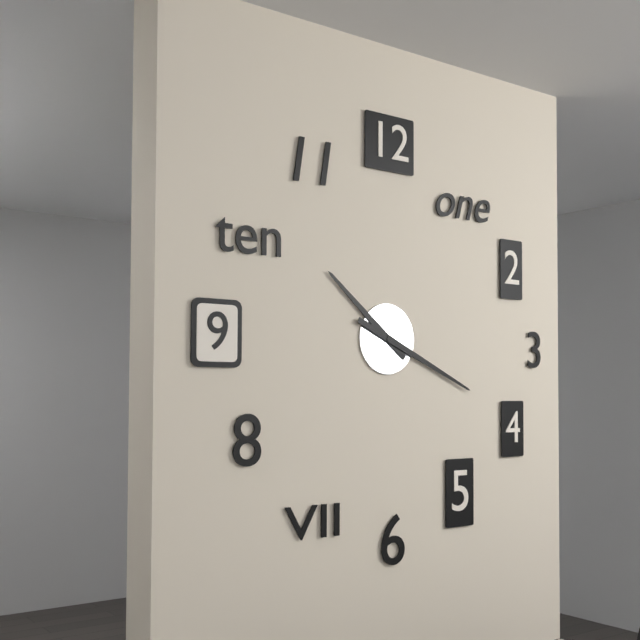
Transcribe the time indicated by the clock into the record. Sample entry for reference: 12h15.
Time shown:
10h19
